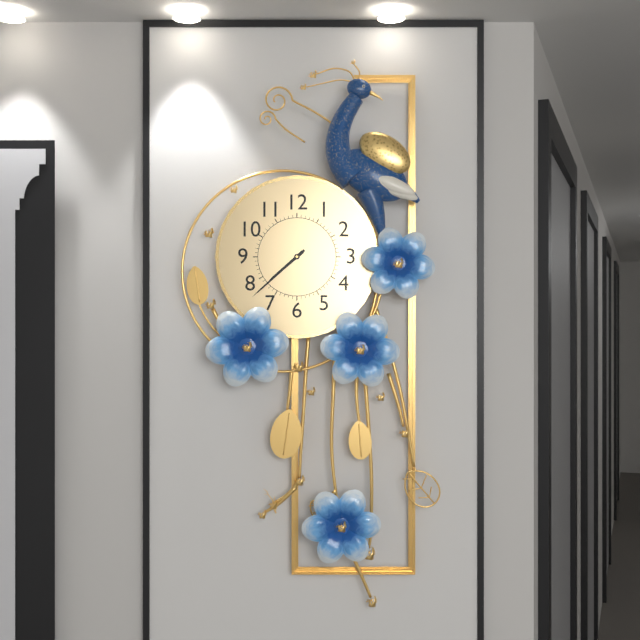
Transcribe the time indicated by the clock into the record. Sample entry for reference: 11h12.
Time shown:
7h38
